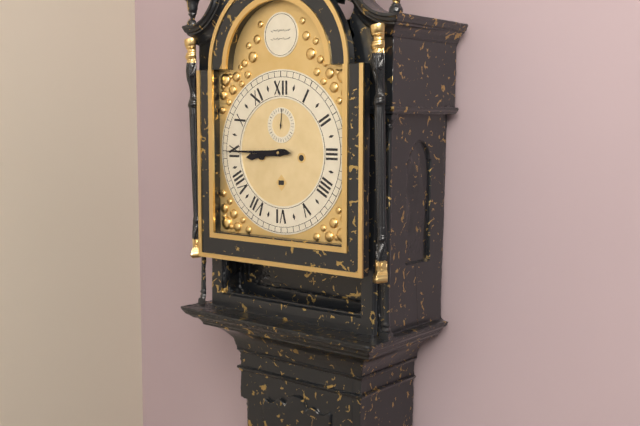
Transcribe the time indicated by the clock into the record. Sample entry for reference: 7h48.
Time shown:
8h45
